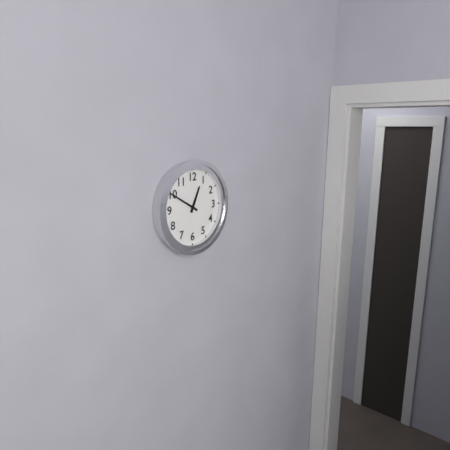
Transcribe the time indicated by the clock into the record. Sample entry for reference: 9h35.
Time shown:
12h50
